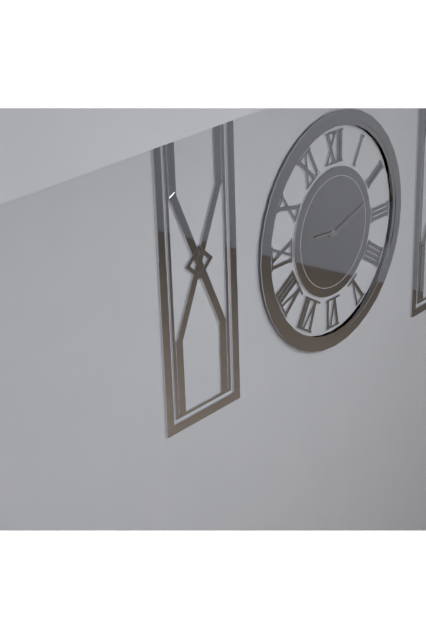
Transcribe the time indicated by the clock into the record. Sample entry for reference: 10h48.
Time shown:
9h12
